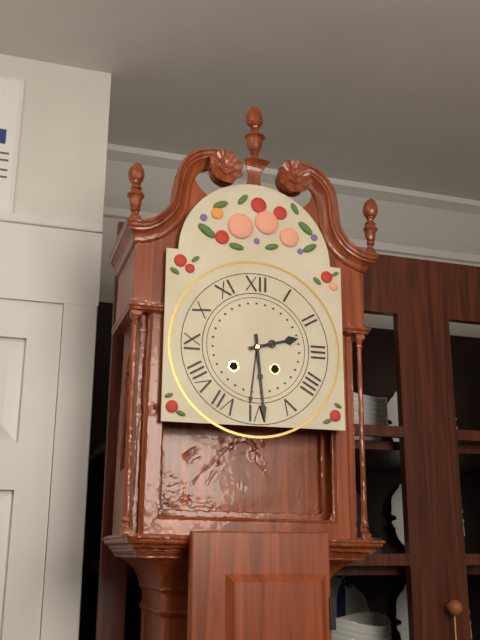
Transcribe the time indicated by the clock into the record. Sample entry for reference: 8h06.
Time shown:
2h29
